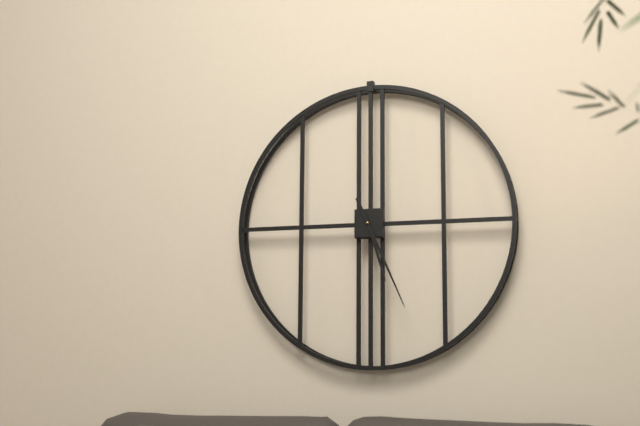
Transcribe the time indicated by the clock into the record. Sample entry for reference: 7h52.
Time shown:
5h26
